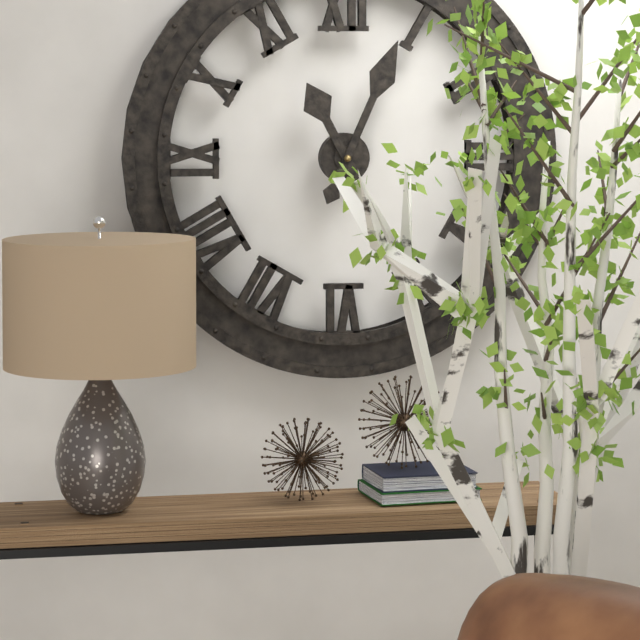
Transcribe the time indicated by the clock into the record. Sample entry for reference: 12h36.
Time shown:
11h04
